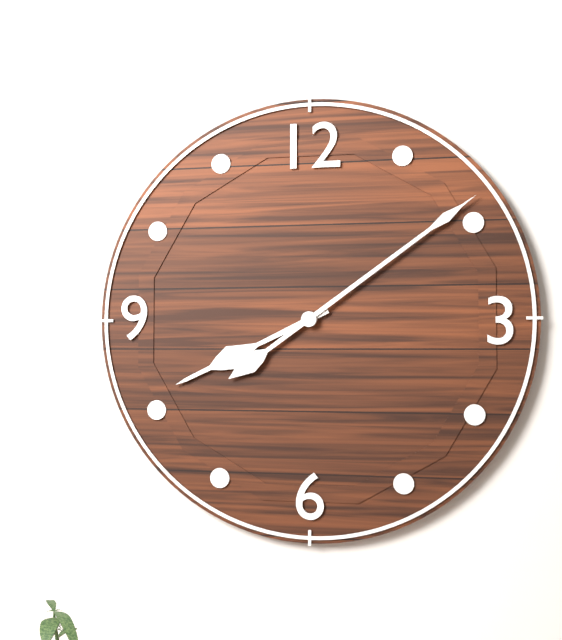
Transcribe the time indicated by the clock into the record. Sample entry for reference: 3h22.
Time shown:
8h09
